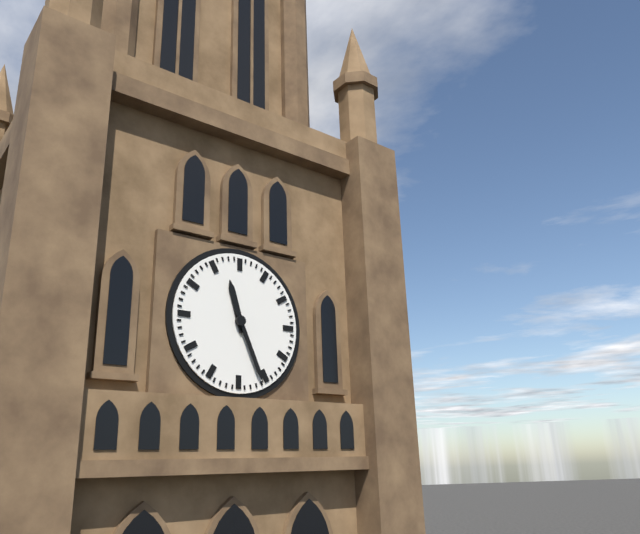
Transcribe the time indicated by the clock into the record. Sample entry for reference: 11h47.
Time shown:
11h26
